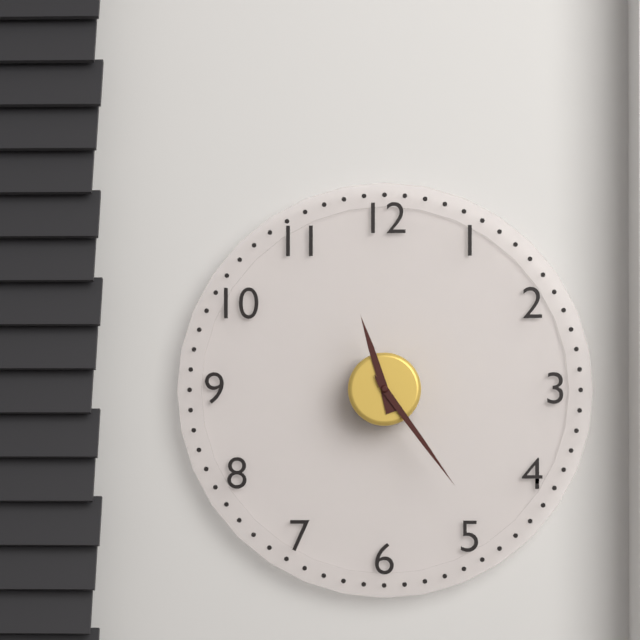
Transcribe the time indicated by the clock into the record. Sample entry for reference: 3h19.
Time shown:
11h24
